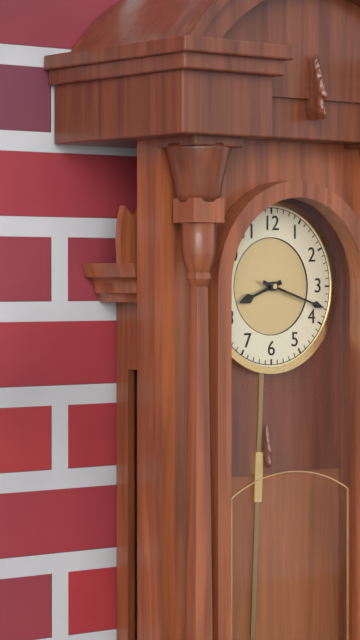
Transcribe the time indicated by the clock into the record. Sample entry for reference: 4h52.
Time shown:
8h18
